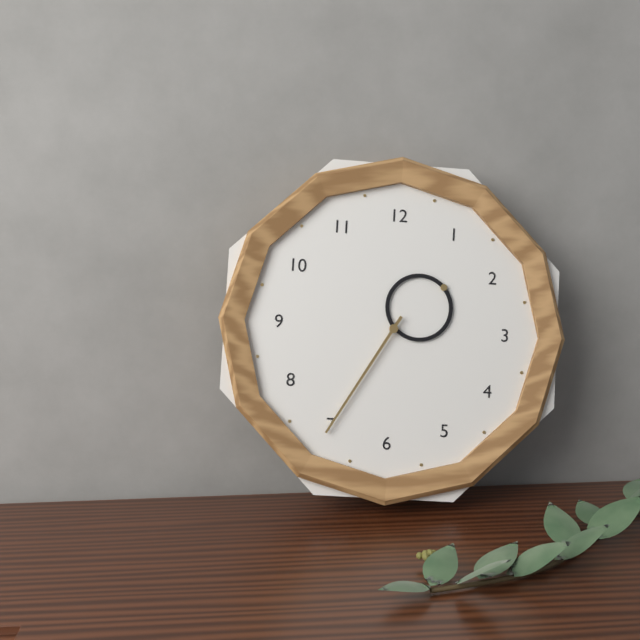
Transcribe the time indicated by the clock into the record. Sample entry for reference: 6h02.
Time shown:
1h35
